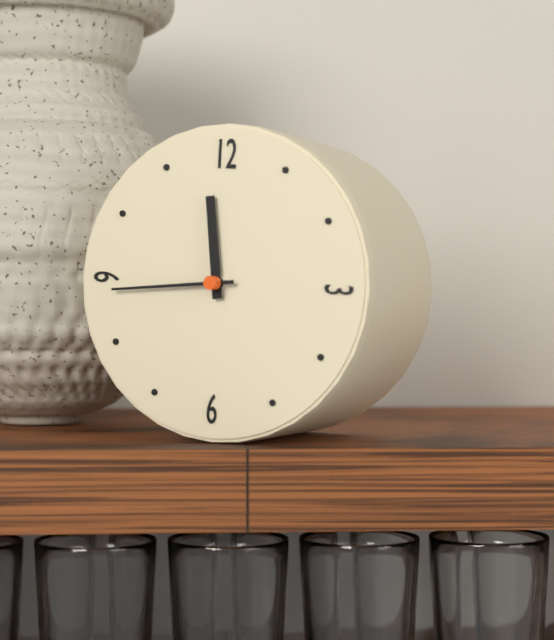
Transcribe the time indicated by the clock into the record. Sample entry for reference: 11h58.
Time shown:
11h44
